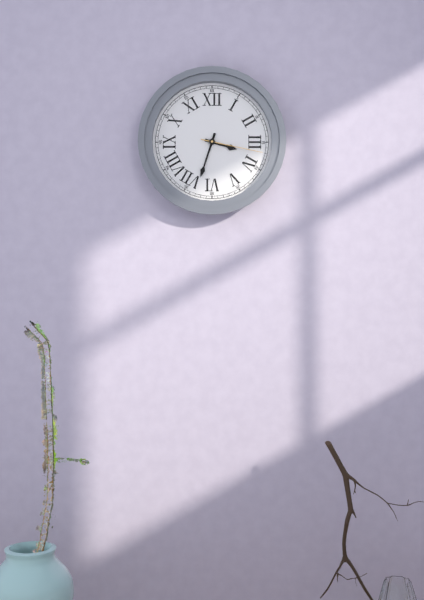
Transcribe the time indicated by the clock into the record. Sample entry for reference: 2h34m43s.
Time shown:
3h33m17s
